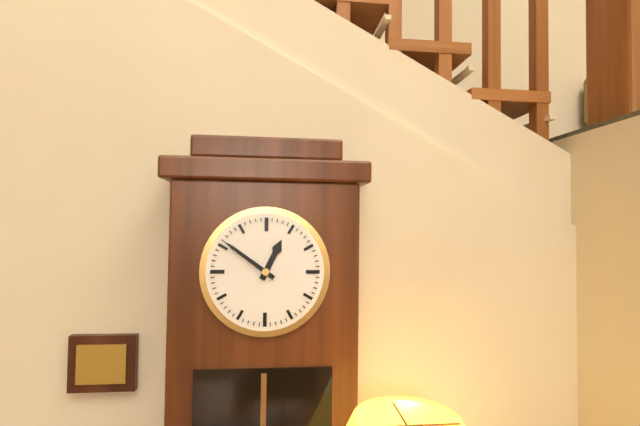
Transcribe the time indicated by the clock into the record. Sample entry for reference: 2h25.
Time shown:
12h51
